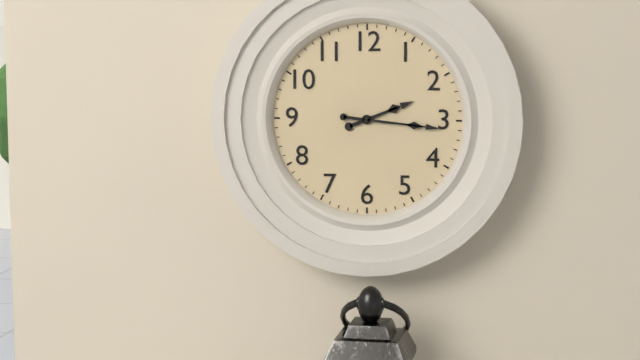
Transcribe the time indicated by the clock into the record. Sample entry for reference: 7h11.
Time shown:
2h16
